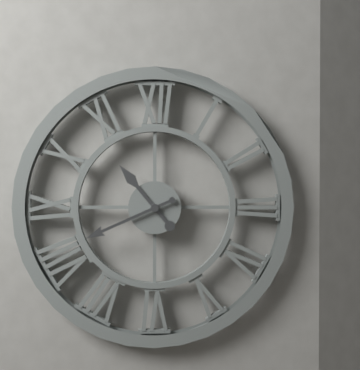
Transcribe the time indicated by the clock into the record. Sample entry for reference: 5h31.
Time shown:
10h41
